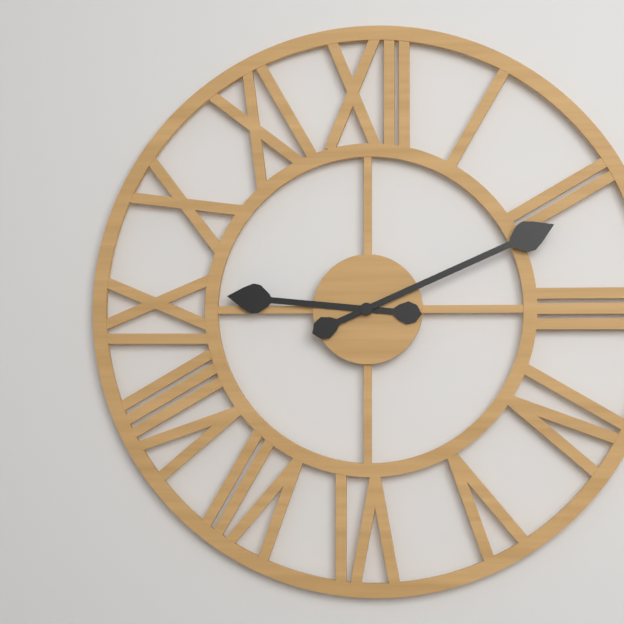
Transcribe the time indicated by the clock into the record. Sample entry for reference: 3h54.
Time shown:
9h11
